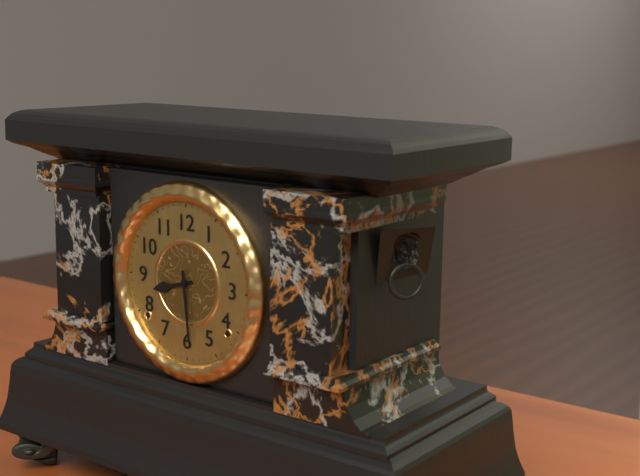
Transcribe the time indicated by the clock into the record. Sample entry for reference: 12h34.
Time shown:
8h29
